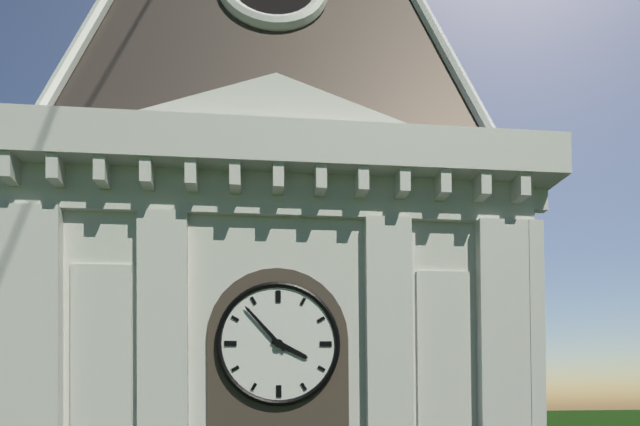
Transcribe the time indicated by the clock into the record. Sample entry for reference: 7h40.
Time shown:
3h53
